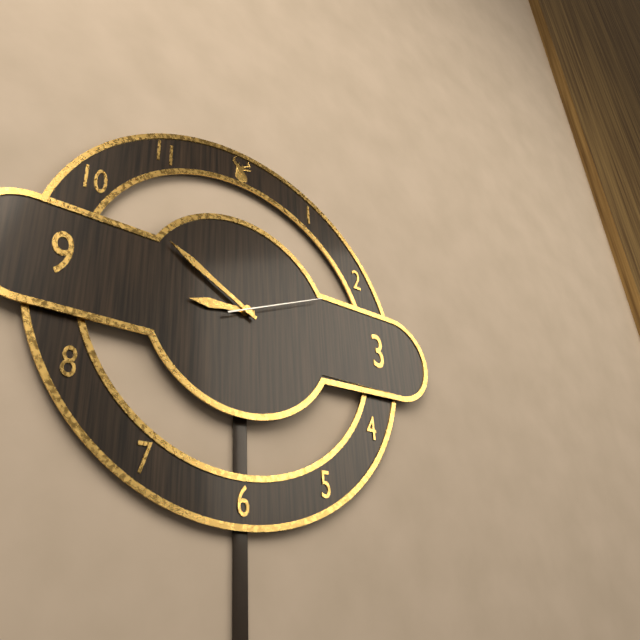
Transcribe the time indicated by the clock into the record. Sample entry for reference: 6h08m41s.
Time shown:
8h50m11s
